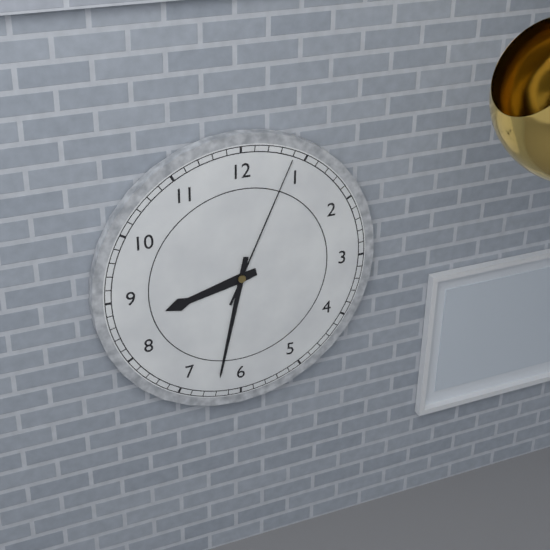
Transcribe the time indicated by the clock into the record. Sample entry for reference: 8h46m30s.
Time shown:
8h32m04s
